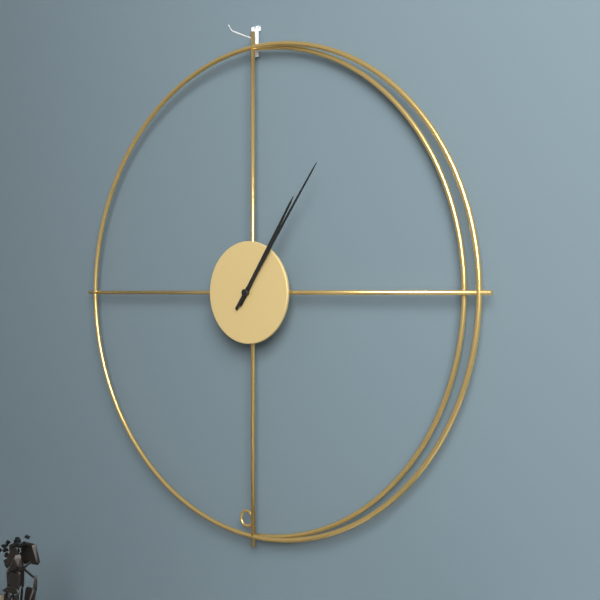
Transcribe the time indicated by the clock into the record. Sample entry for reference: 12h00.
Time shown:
1h06
